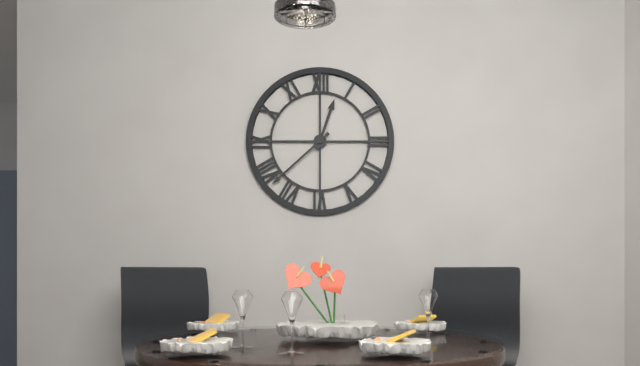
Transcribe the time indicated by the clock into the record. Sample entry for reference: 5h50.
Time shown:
12h38
